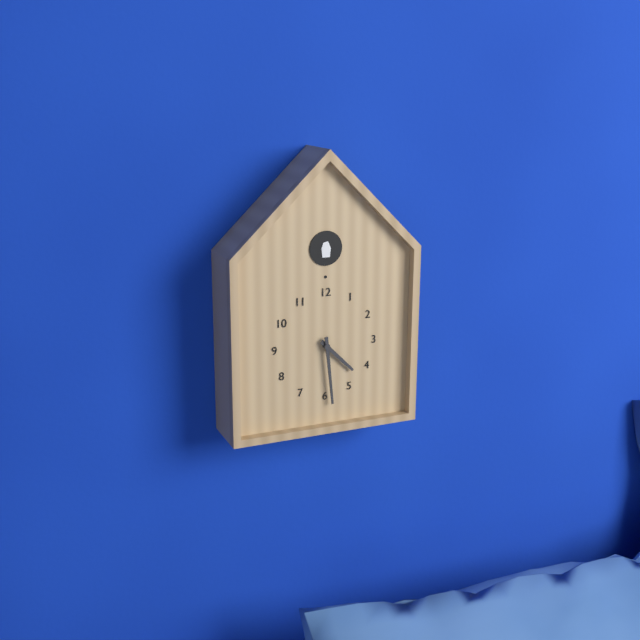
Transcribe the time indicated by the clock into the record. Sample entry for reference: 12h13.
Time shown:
4h29
